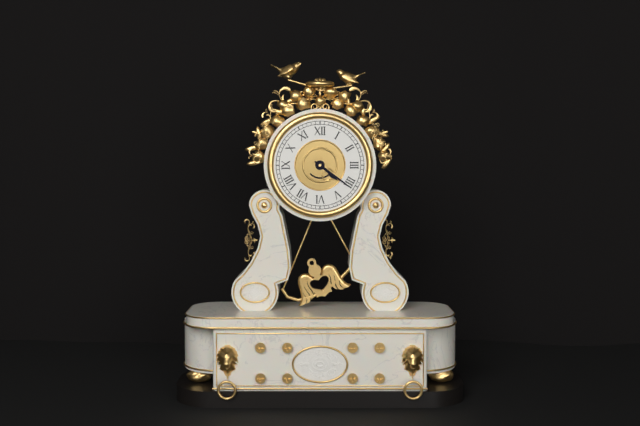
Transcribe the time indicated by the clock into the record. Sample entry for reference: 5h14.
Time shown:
4h21
